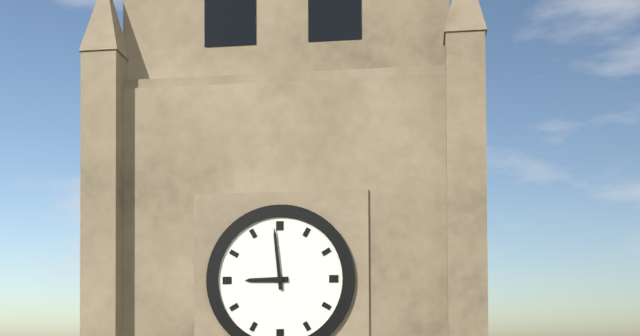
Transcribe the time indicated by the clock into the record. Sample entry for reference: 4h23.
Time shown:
8h59
